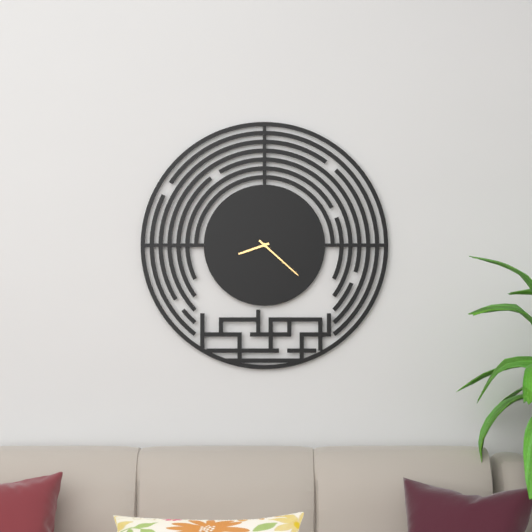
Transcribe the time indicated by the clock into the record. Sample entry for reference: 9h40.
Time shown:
8h22
